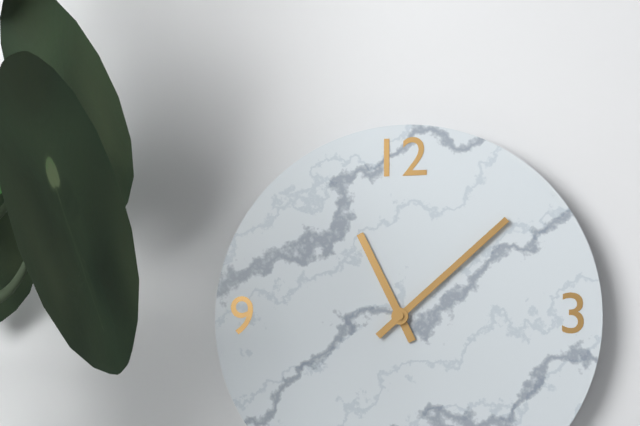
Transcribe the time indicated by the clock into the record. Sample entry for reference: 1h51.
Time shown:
11h08
